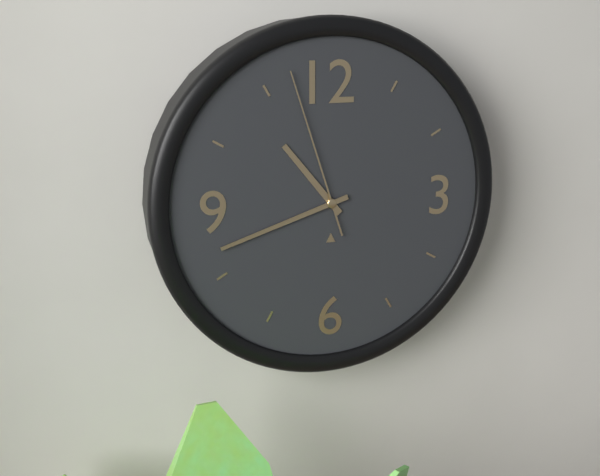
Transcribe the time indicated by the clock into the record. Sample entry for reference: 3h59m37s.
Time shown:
10h42m57s
